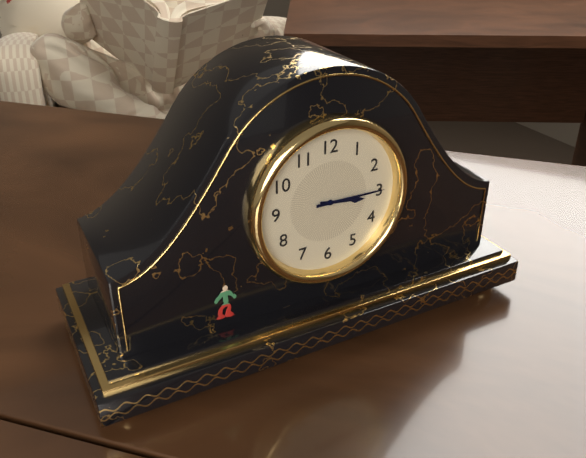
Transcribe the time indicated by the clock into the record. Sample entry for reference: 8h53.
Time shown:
3h15
